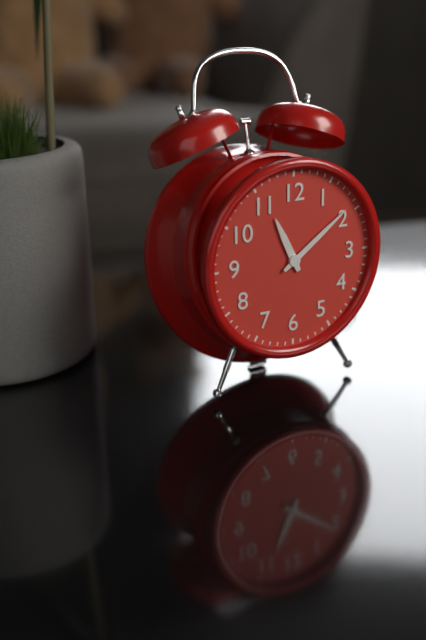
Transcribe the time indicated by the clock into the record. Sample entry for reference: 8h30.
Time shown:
11h09
